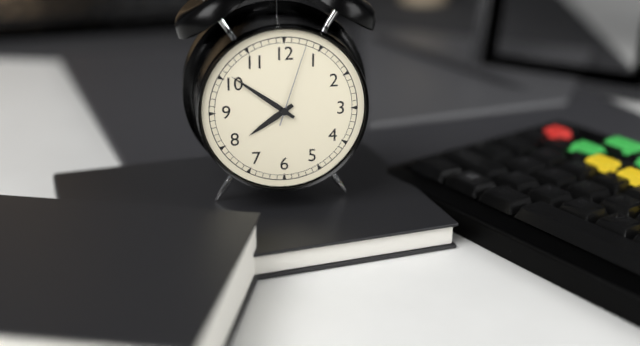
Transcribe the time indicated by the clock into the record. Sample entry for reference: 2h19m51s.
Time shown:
7h51m03s
